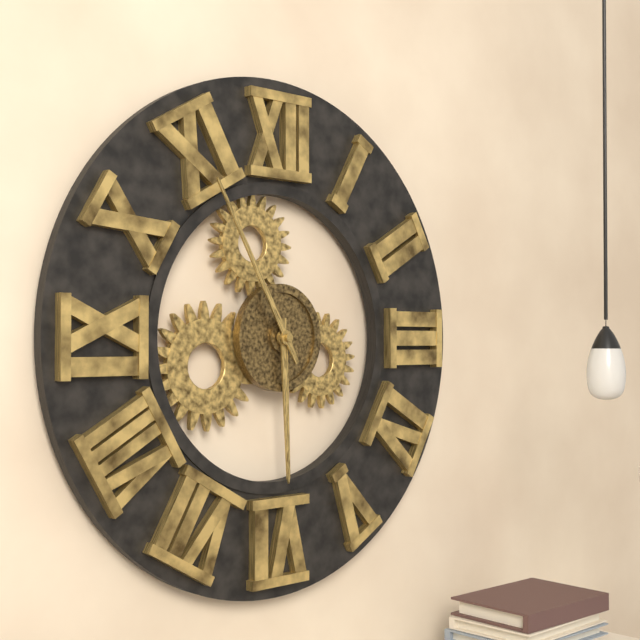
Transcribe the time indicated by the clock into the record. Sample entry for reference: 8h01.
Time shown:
5h55
